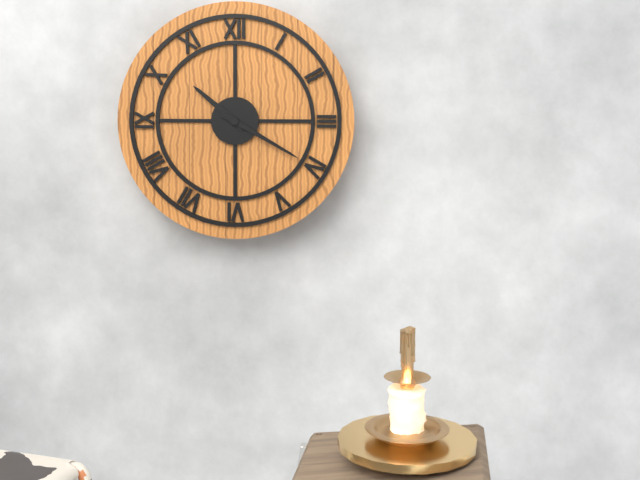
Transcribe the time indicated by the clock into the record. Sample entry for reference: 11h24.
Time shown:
10h20
